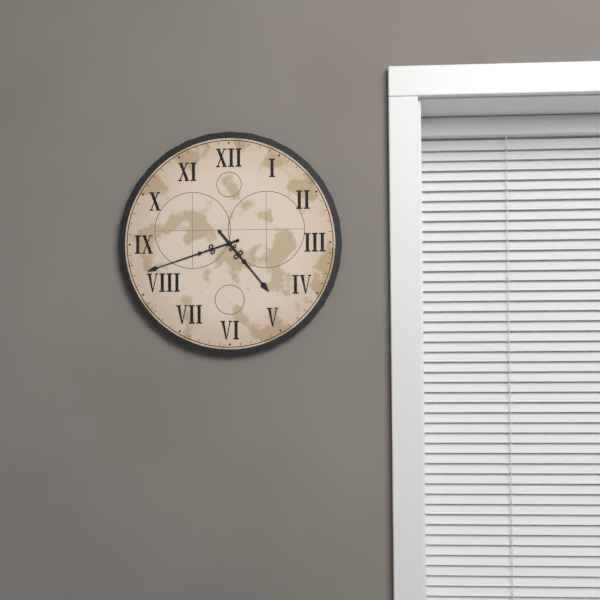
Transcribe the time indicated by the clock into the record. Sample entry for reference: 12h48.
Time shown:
4h42
